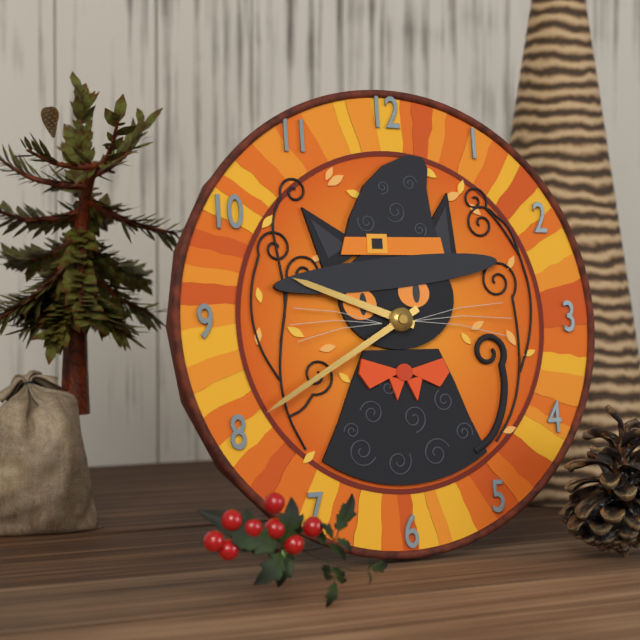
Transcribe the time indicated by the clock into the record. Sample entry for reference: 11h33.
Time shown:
9h40
